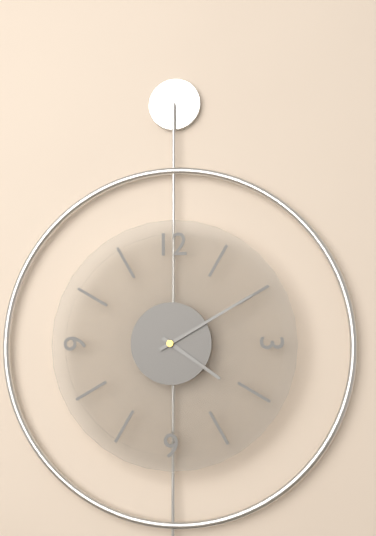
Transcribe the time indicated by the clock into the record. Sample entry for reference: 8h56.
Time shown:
4h10
